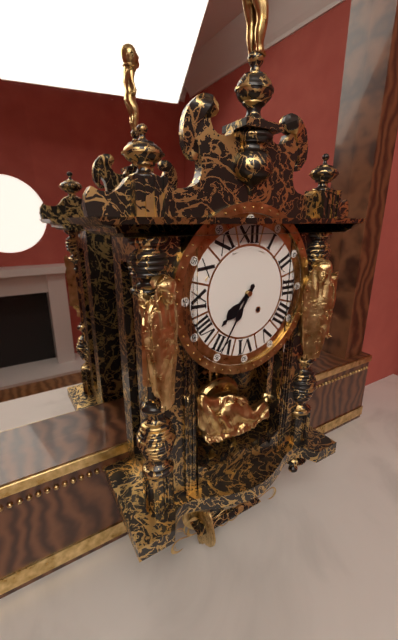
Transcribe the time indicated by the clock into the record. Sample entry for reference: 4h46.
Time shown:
7h35
